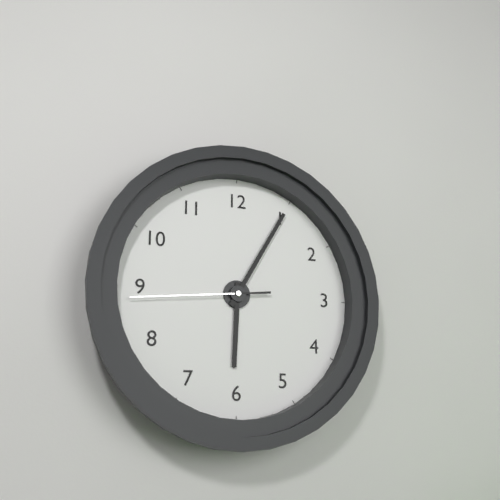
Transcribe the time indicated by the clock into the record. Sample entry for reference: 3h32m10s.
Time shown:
6h05m44s
